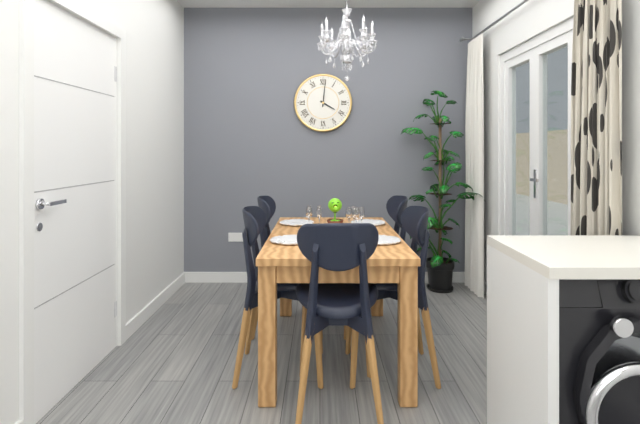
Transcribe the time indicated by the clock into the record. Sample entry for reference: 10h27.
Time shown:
4h01
